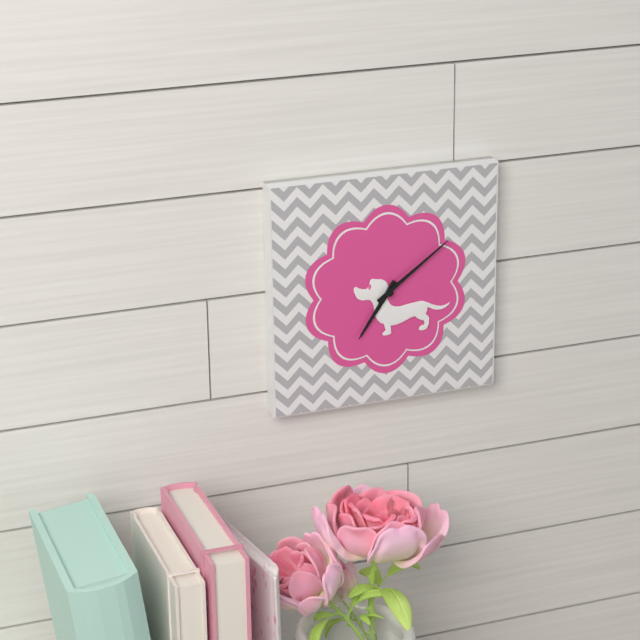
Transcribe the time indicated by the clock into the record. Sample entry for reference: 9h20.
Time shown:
7h09
